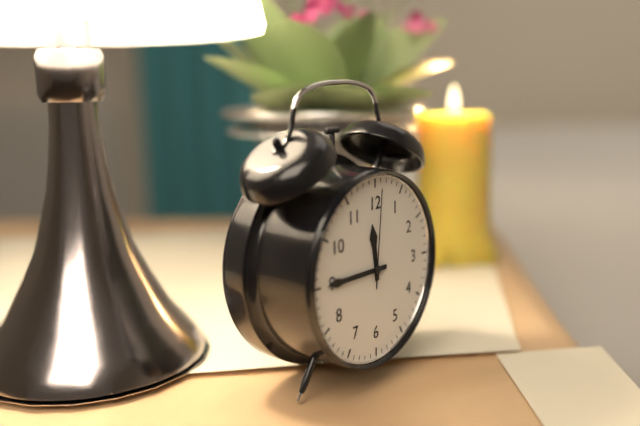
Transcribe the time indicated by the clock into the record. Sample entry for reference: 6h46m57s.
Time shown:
11h45m01s
